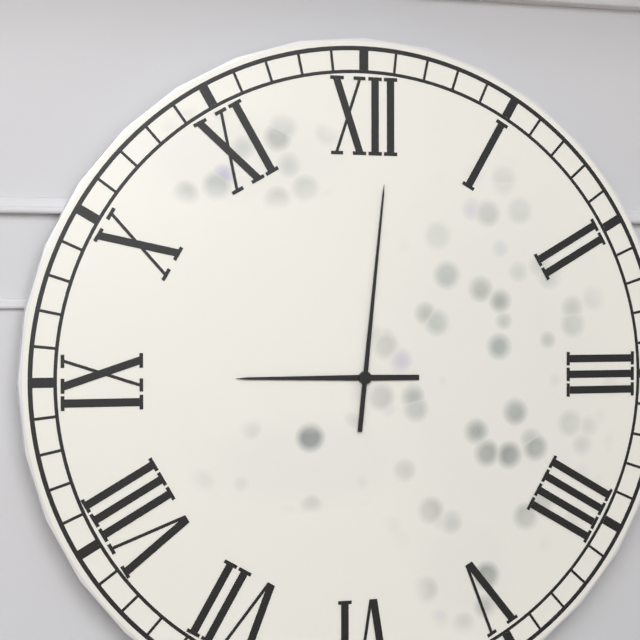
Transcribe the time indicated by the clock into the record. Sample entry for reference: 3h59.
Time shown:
9h01
